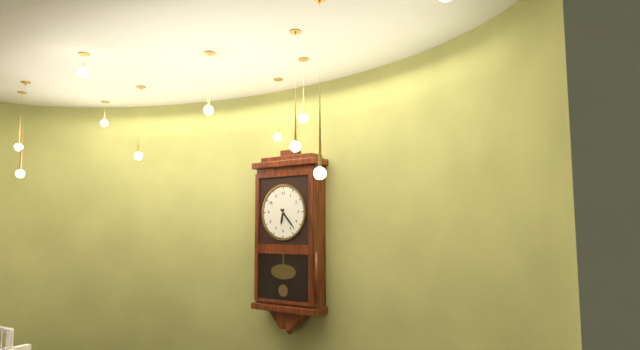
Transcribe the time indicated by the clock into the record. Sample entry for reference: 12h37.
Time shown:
6h23
